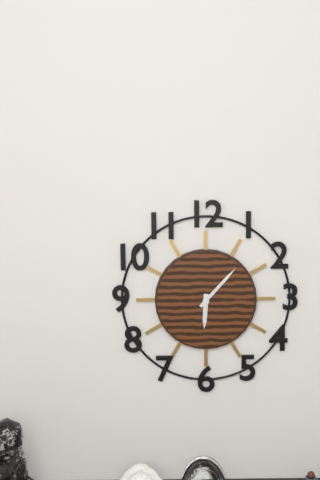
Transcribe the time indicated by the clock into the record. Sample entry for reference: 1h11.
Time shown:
6h07
